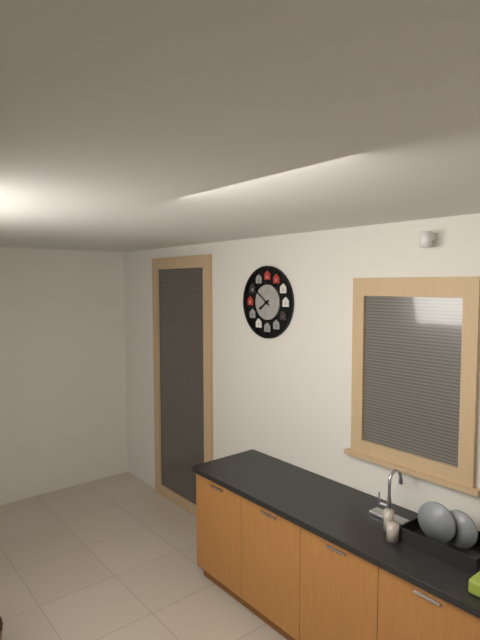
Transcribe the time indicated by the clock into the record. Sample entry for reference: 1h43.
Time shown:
7h51
